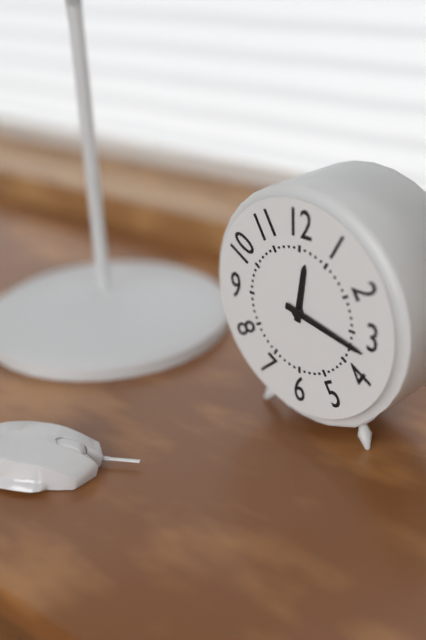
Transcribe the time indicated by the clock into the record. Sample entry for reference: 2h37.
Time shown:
12h17
